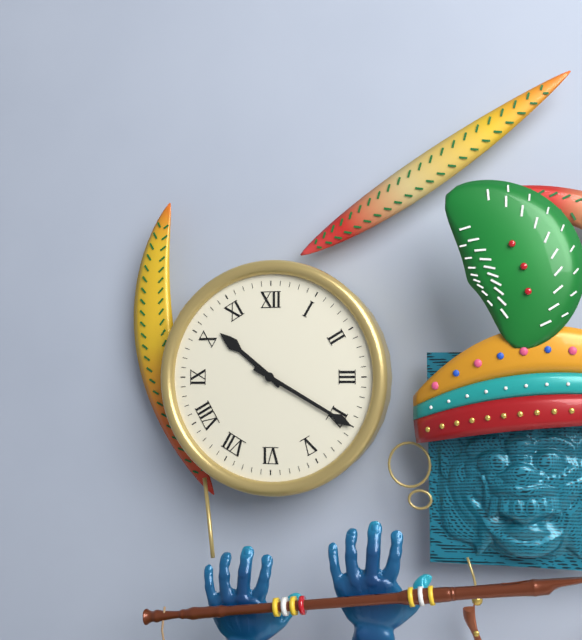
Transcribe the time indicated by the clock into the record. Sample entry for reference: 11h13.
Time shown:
10h20
